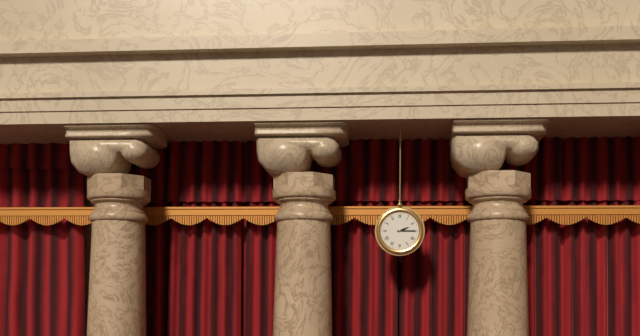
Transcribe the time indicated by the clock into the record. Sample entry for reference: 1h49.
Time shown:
2h15
